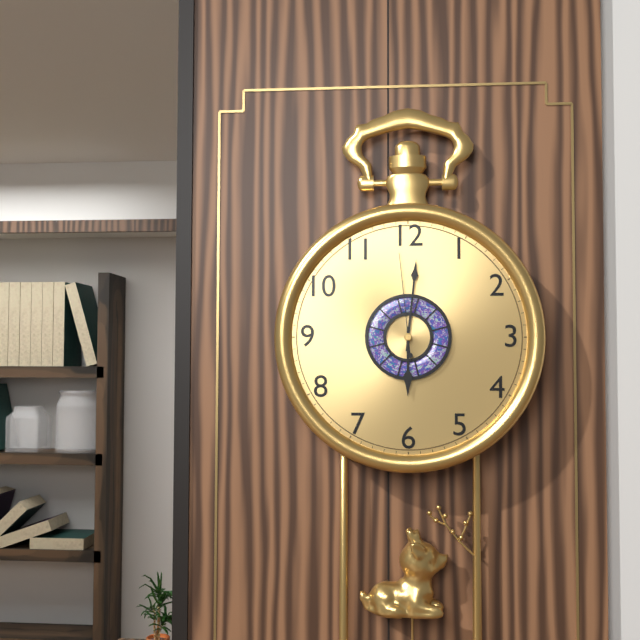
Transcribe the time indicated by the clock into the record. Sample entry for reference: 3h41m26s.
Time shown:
6h01m59s
